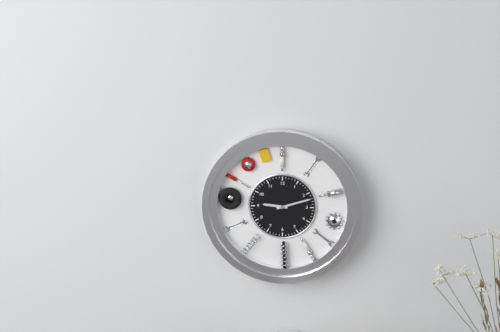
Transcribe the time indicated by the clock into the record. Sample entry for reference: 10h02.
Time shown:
9h12
